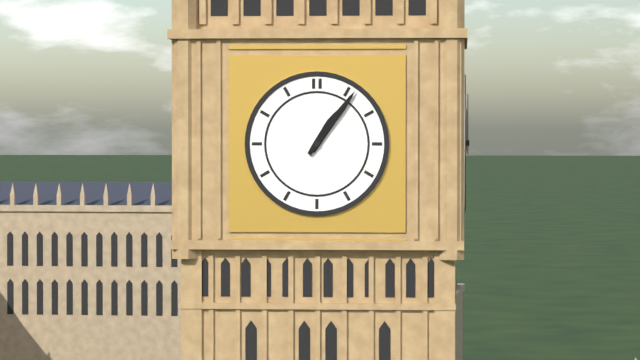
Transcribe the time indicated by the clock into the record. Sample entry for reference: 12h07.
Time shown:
1h06
